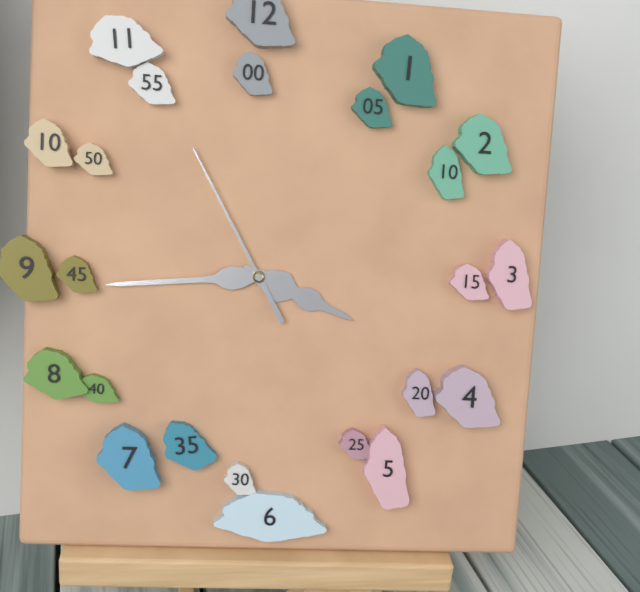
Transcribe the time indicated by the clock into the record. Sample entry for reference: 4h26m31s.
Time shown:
3h44m55s
